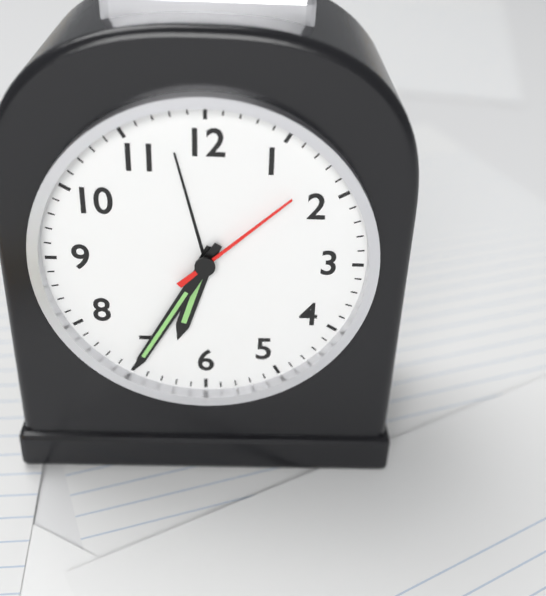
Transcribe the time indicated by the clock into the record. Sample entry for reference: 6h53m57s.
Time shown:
6h35m08s
